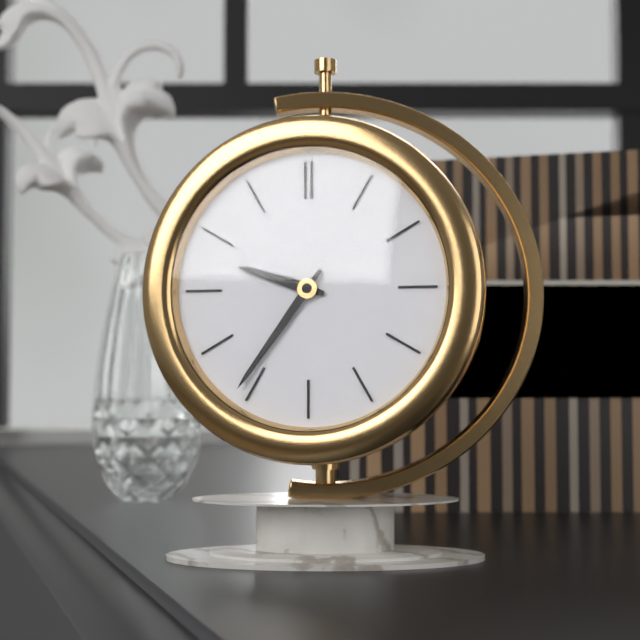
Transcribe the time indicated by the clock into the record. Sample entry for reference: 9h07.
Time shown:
9h36
